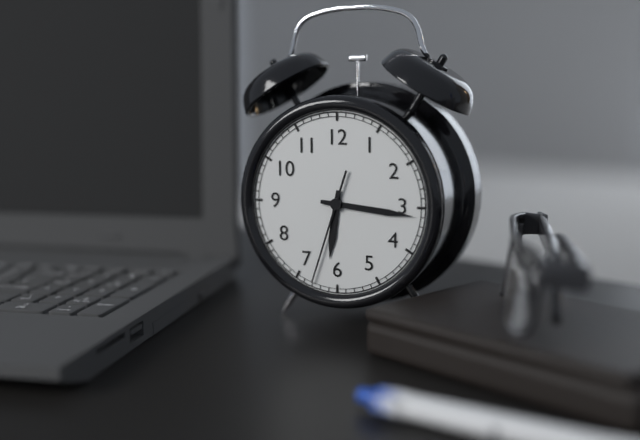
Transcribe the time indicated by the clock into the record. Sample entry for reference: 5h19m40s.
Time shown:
6h16m33s
